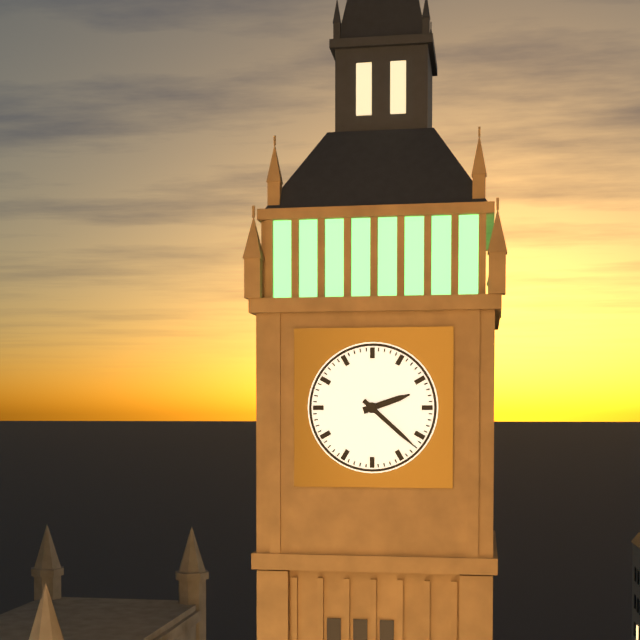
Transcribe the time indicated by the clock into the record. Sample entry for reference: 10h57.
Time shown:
2h22
